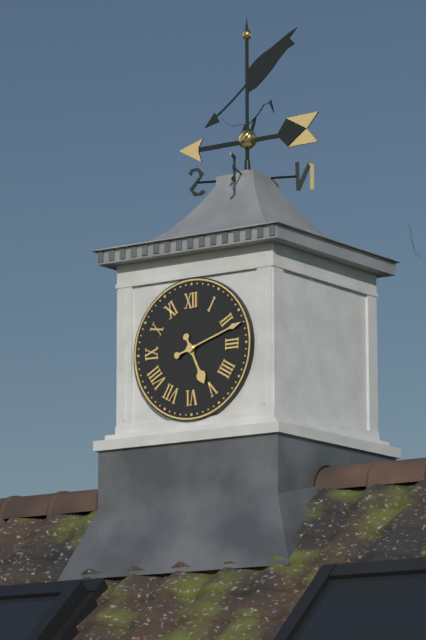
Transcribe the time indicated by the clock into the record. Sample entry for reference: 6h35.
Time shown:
5h12
